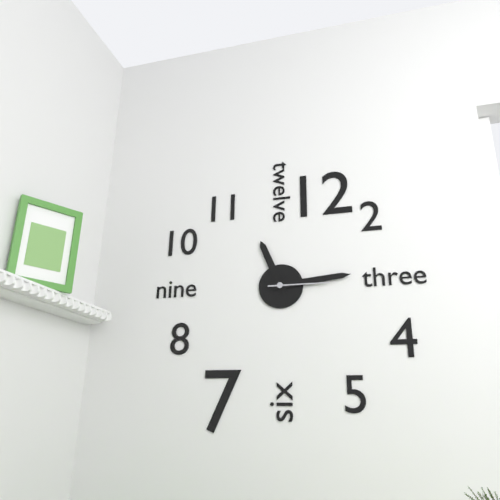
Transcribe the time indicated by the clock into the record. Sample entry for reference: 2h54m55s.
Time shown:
11h14m15s
